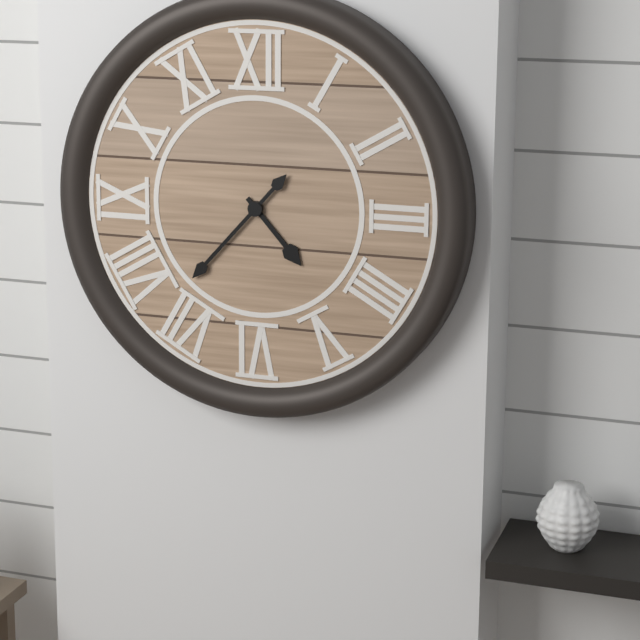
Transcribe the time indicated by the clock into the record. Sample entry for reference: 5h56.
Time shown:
4h37
